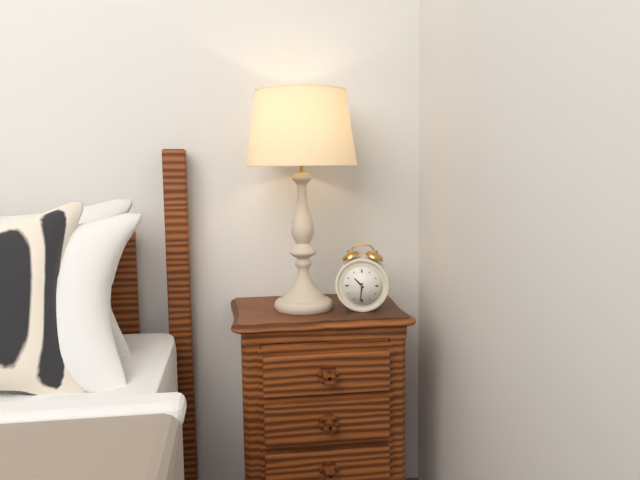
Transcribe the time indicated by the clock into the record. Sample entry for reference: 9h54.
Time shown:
10h31
